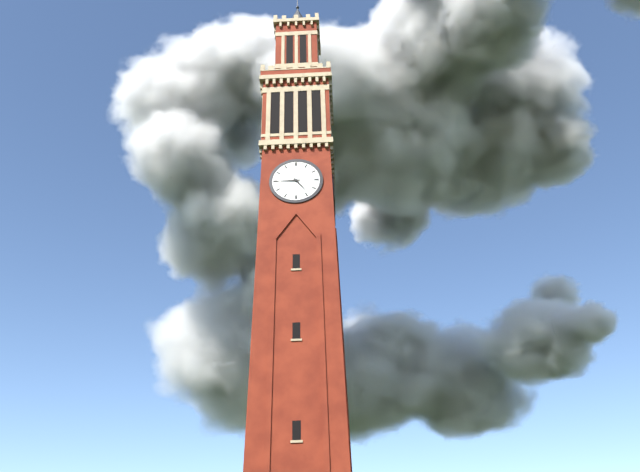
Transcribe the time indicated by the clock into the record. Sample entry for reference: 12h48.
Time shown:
4h45
